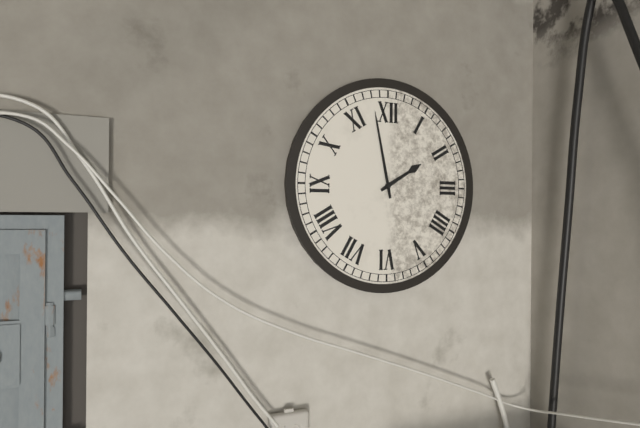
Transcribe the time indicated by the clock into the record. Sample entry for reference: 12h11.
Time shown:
1h58
